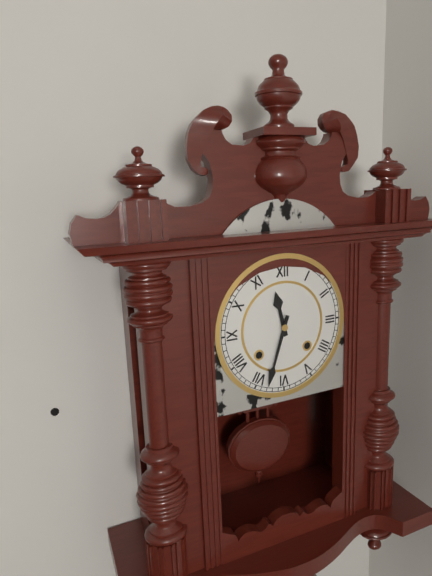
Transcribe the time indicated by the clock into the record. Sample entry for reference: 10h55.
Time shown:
11h33
